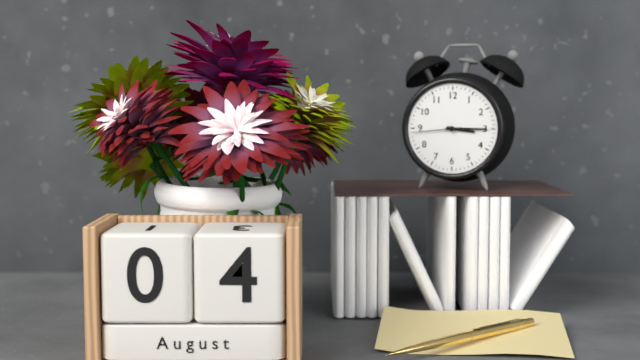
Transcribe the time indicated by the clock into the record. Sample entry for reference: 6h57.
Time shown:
3h15
